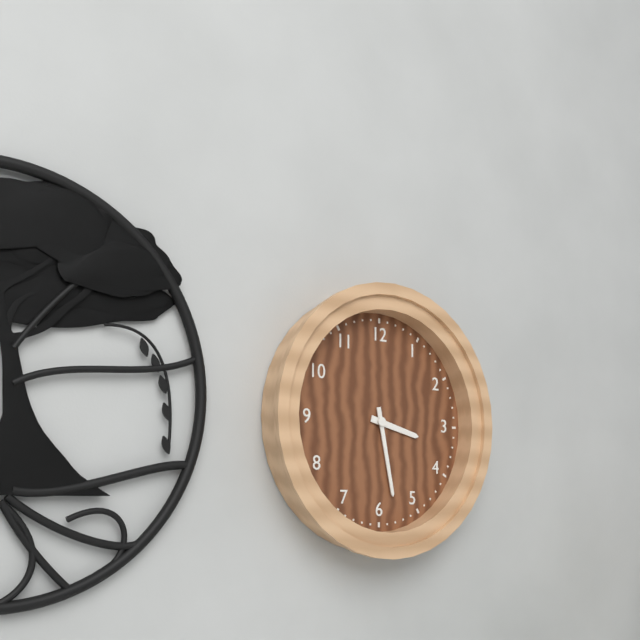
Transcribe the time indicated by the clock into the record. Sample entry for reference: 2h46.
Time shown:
3h28
